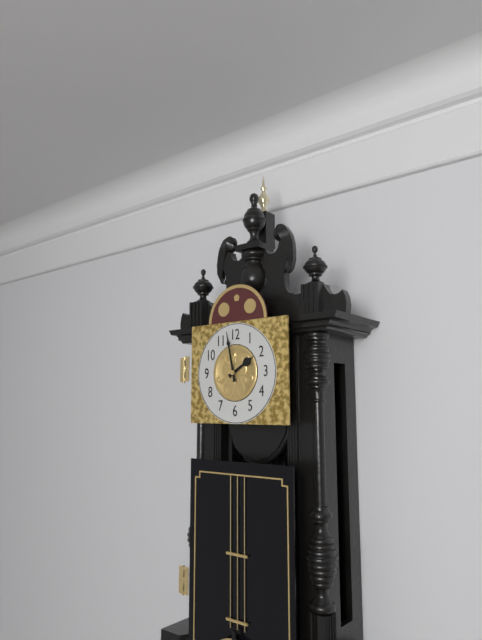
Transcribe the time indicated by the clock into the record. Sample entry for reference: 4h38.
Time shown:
1h58
